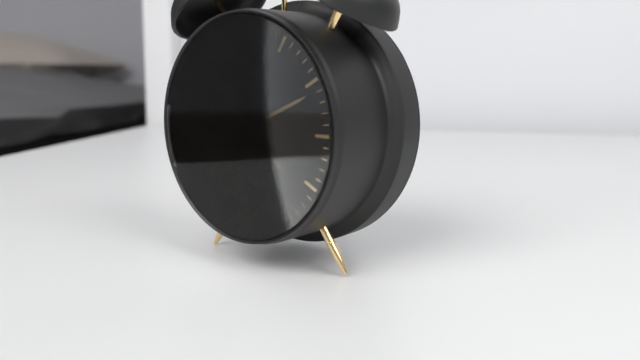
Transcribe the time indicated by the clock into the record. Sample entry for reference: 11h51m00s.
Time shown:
4h11m53s
